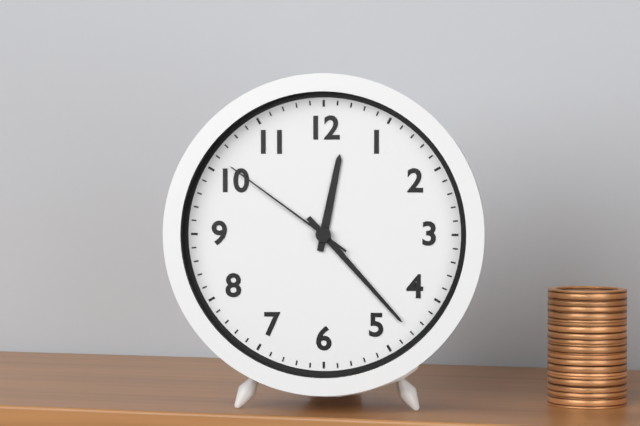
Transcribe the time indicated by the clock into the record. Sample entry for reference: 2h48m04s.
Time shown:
12h23m51s
